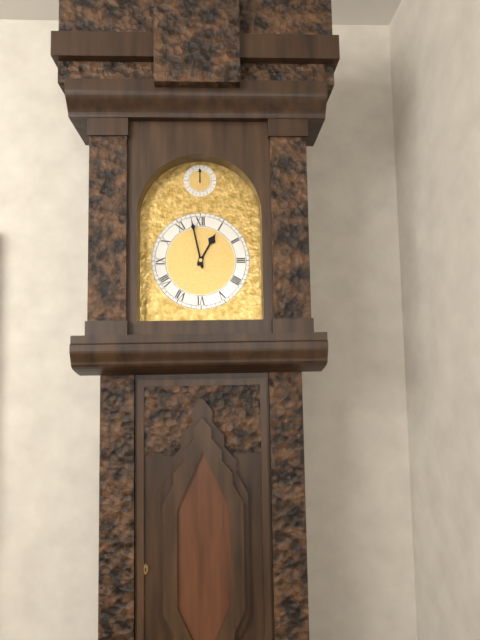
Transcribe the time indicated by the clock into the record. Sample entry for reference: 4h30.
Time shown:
12h58
